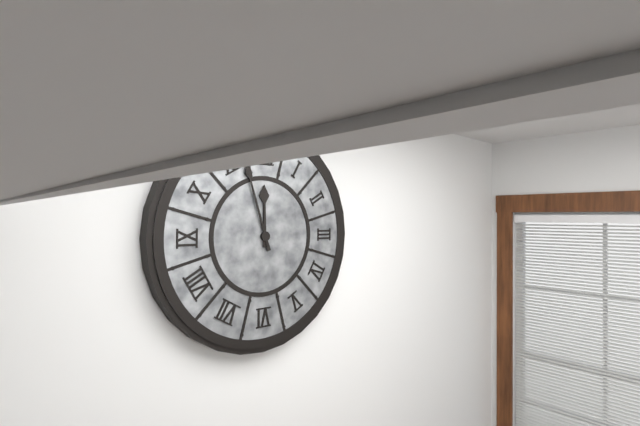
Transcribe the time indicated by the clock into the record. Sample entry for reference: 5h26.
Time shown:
11h57
